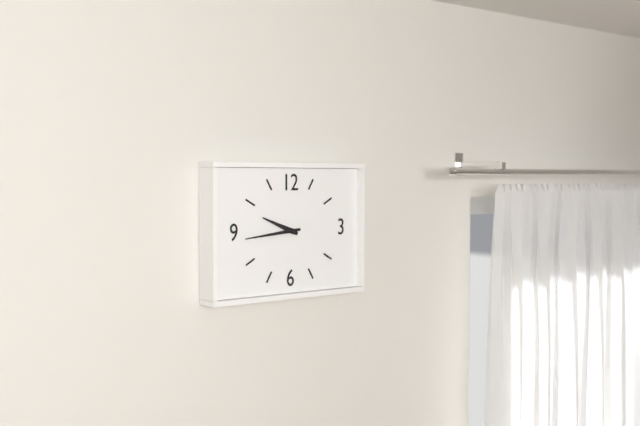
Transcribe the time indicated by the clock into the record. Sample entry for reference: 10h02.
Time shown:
9h44
